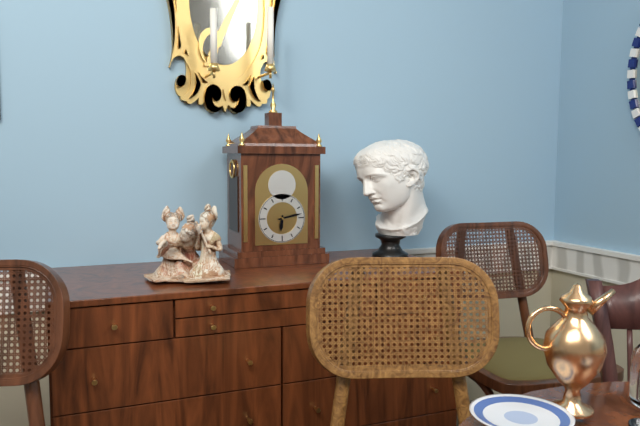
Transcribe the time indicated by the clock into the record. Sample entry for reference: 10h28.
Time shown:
6h13
